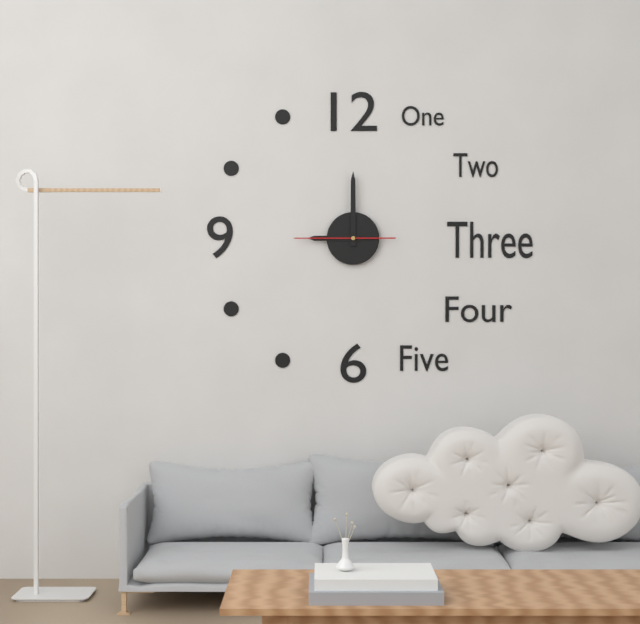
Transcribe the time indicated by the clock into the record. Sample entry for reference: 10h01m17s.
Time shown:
9h00m45s
